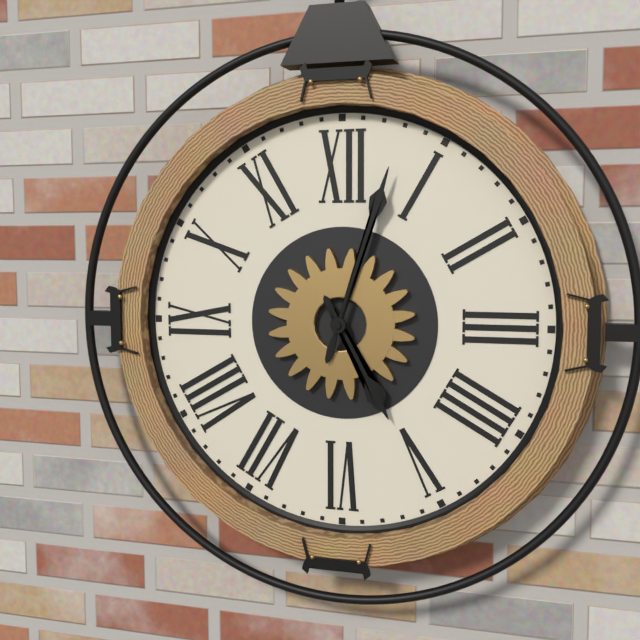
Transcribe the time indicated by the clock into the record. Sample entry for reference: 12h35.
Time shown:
5h03
